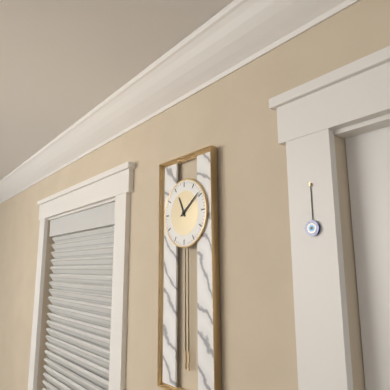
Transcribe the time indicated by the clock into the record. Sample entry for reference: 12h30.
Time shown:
11h09
